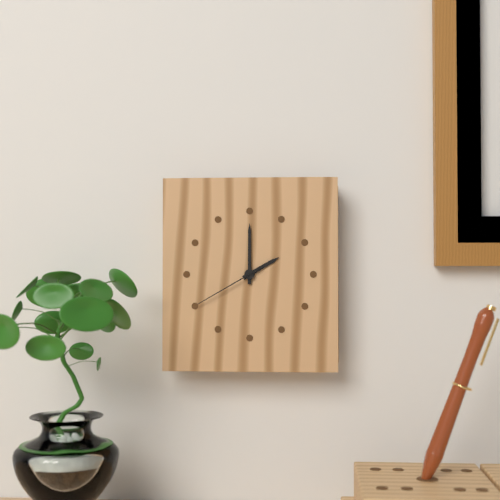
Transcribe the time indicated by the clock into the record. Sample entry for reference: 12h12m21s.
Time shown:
2h00m40s
